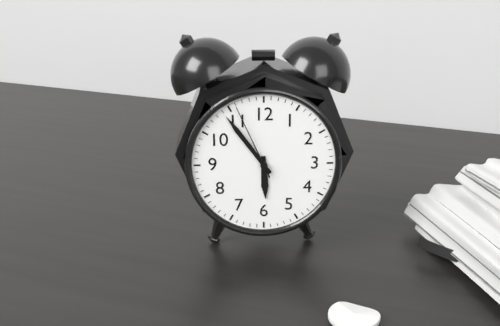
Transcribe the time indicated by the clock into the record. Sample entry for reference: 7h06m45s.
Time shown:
5h54m56s
